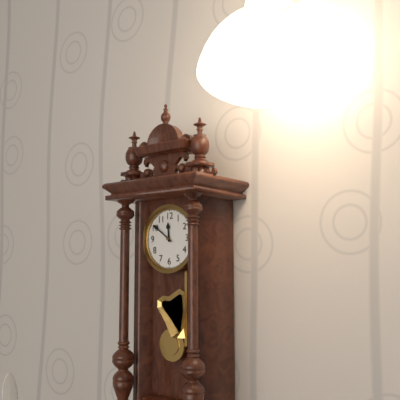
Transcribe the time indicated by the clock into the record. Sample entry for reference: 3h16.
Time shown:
11h51
